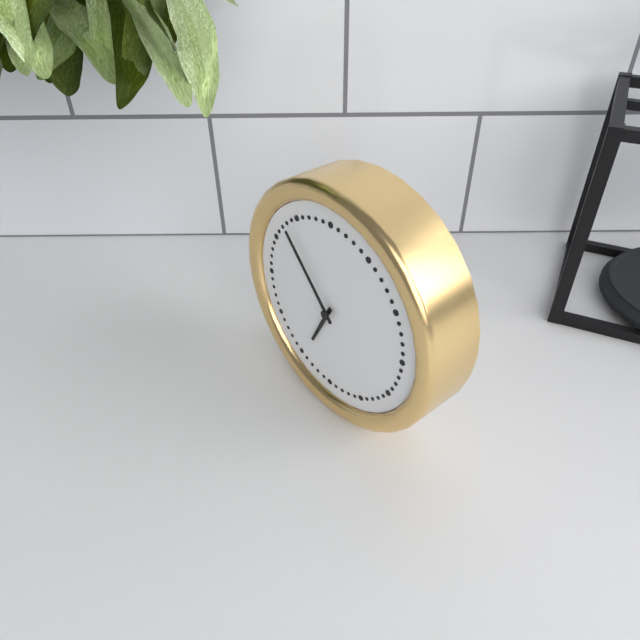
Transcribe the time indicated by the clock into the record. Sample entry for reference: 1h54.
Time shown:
6h53
